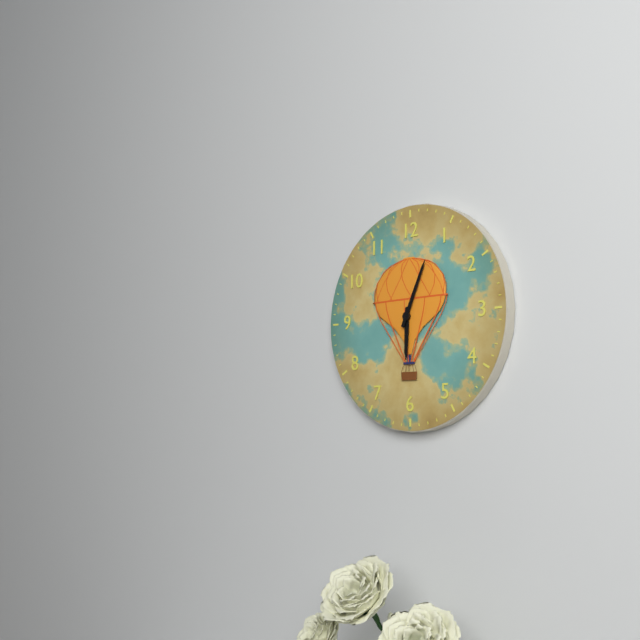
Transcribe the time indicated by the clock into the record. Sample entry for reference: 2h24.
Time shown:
6h04
